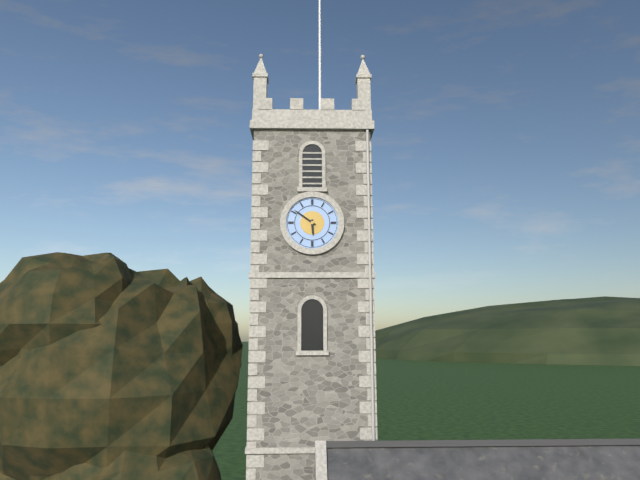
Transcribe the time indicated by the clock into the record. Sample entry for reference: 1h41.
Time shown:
5h51
